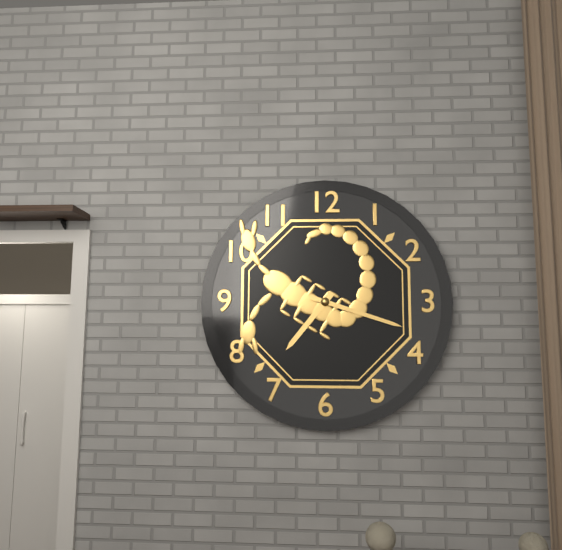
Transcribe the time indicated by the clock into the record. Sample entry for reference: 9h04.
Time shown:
7h18
